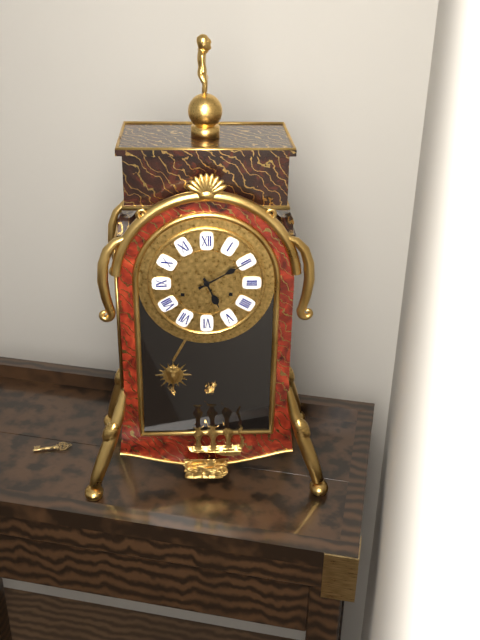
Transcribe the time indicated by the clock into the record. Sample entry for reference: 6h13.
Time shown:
5h10
